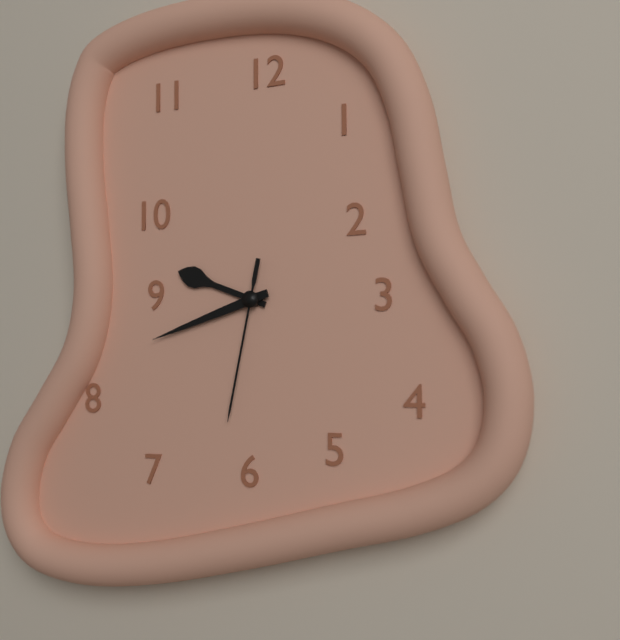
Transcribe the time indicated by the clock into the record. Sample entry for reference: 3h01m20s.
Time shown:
9h42m32s
